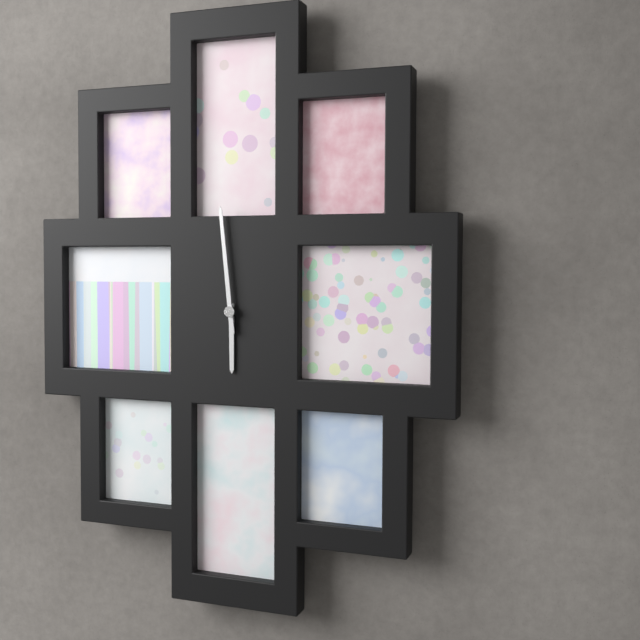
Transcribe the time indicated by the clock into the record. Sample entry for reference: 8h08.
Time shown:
5h59
